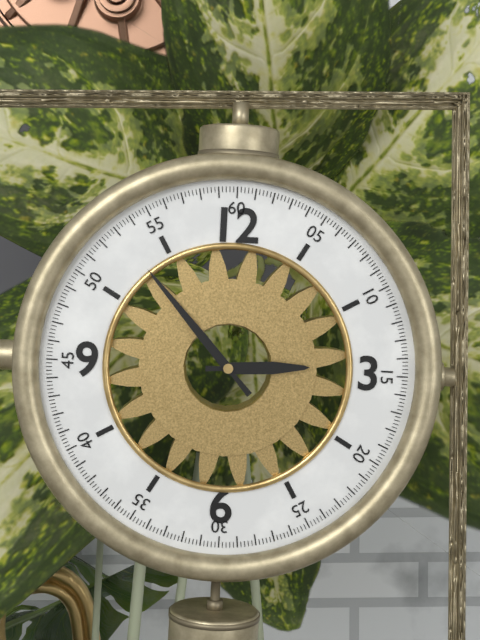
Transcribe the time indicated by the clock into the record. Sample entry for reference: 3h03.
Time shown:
2h53
